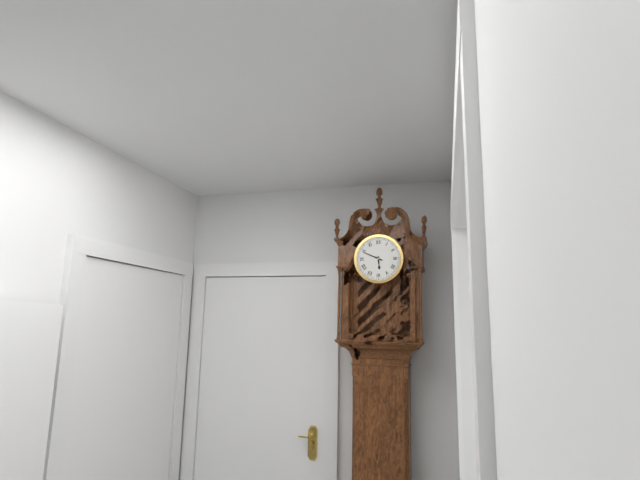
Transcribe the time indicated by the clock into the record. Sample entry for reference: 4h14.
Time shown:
5h49
